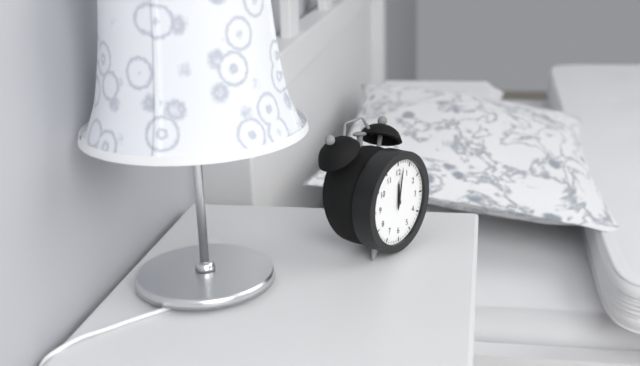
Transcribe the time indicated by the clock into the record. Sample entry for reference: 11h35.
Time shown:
12h02
